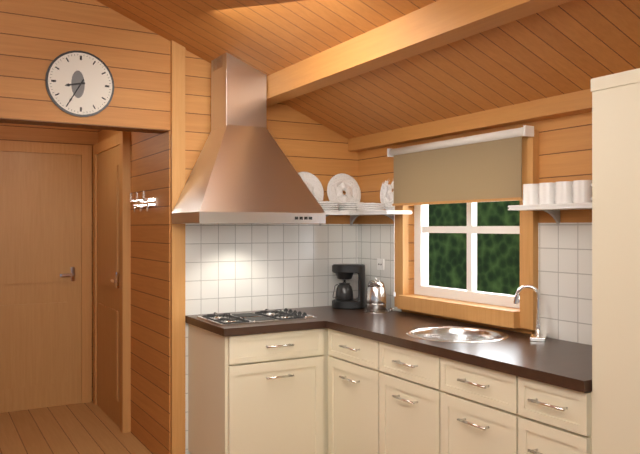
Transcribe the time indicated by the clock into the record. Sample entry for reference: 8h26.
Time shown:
8h35
